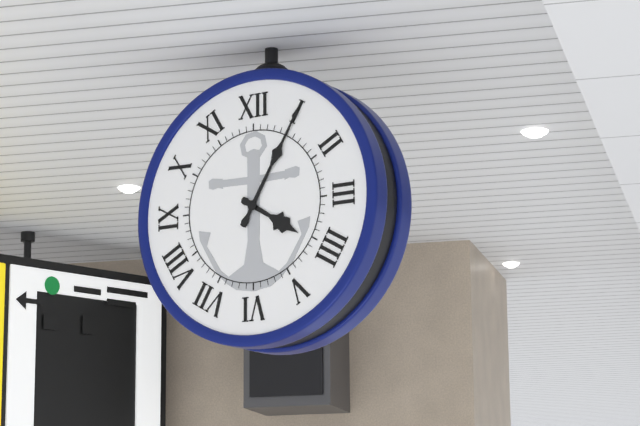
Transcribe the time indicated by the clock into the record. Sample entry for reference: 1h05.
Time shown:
4h05
